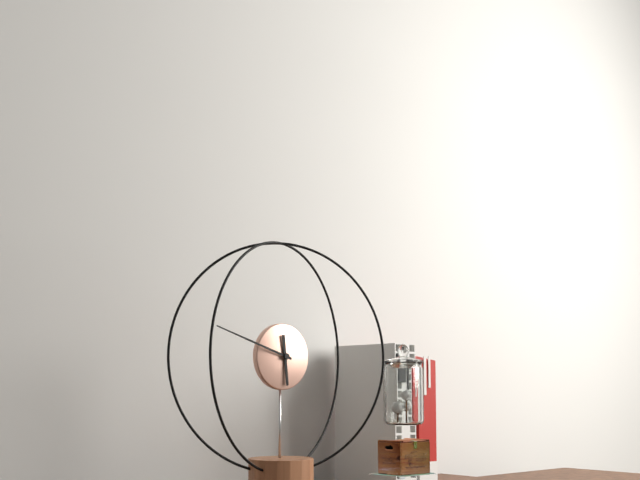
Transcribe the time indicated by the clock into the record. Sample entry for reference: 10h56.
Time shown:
5h48
